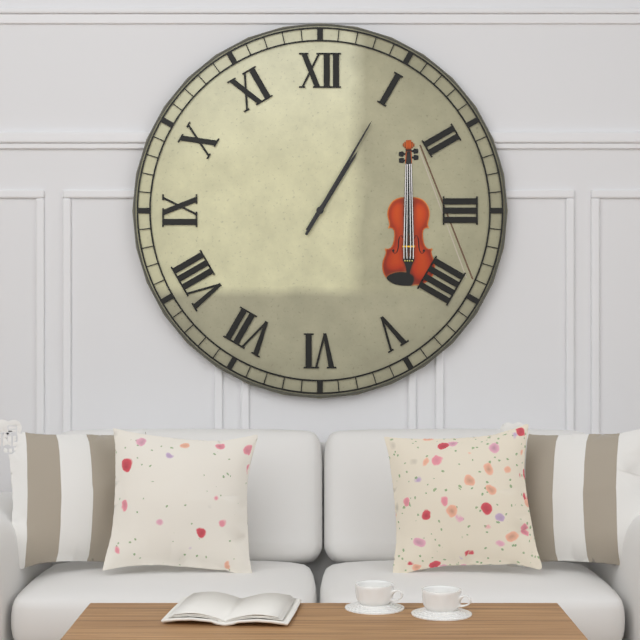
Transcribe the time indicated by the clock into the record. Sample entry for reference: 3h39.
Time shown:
1h05
